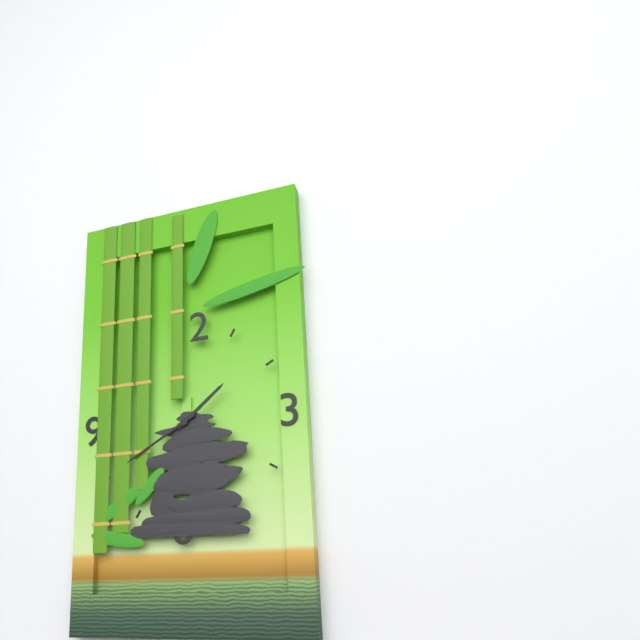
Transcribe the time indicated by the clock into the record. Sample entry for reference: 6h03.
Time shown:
1h40
